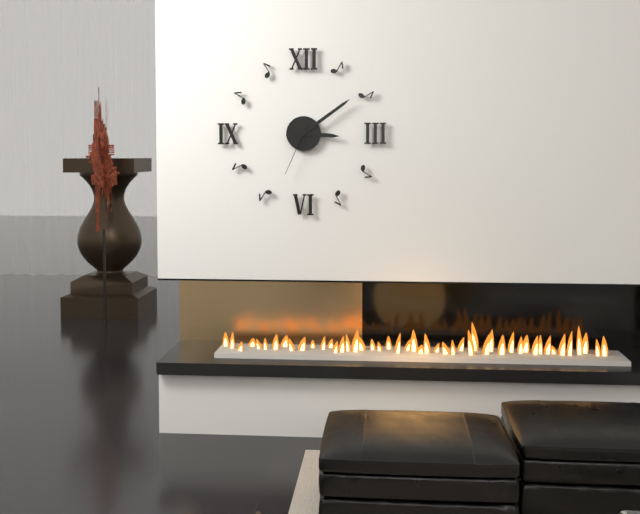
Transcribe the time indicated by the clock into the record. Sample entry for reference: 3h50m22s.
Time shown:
3h09m34s
